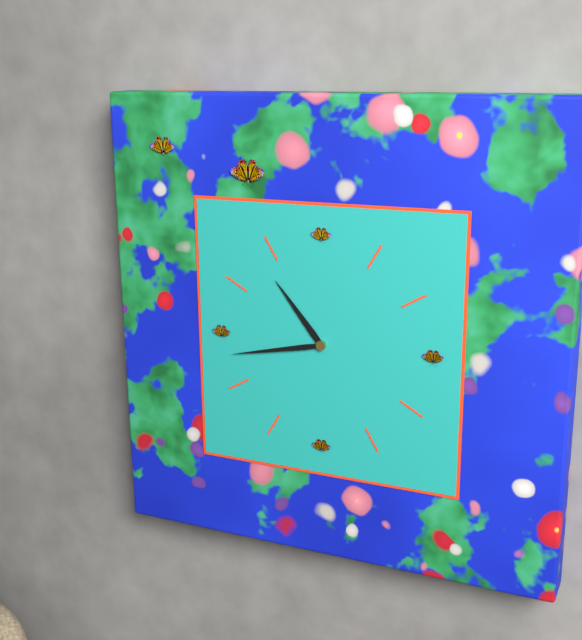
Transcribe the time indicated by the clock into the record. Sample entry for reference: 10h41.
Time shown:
10h43
